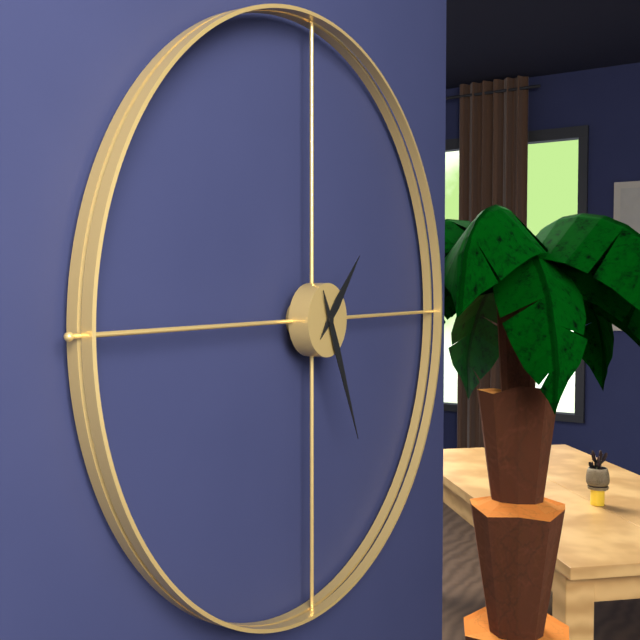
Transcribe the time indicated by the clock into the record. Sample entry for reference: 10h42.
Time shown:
1h26
